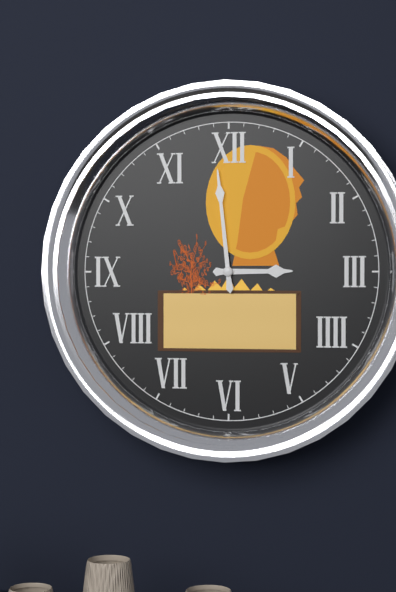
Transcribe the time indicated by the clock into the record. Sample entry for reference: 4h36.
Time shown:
2h59
